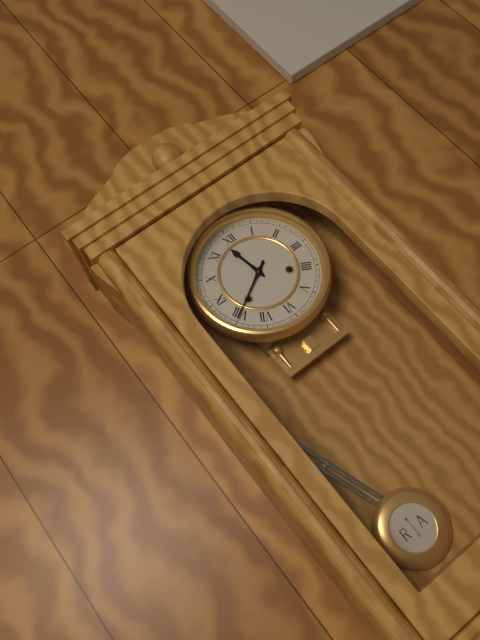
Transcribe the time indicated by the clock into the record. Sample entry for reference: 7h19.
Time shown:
11h40
